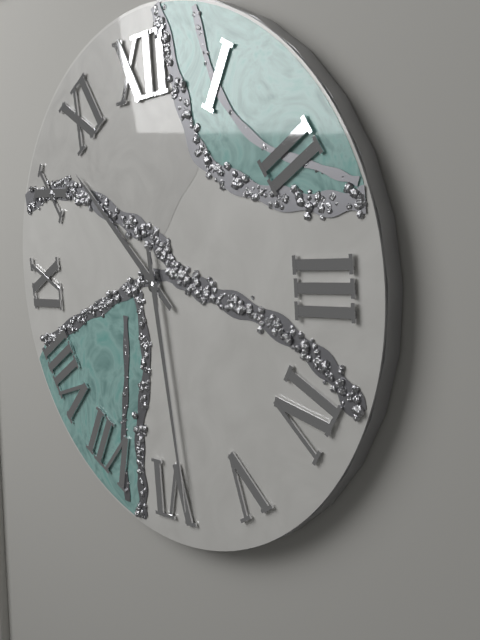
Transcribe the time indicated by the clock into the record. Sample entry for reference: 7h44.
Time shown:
10h29
